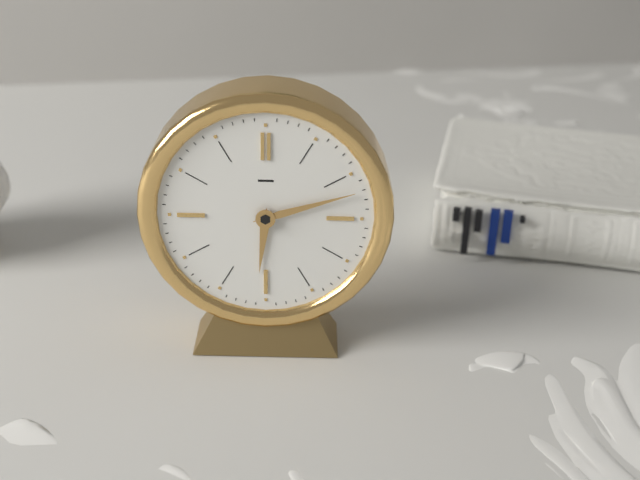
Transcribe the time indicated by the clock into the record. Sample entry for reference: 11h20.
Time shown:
6h12
